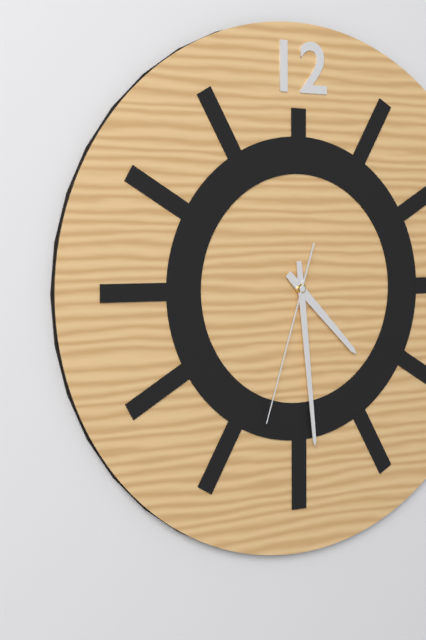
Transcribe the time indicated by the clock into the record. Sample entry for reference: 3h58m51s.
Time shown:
4h29m33s
